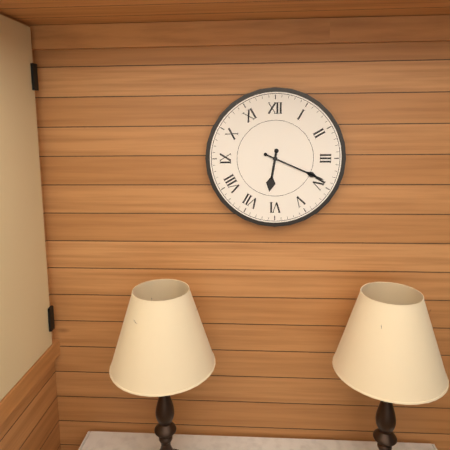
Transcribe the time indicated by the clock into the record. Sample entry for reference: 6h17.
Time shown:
6h19
